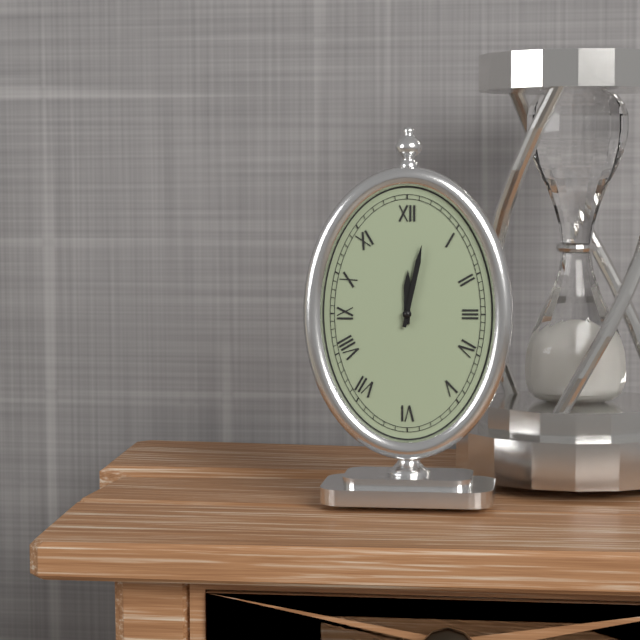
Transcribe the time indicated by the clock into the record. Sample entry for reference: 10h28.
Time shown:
12h02
